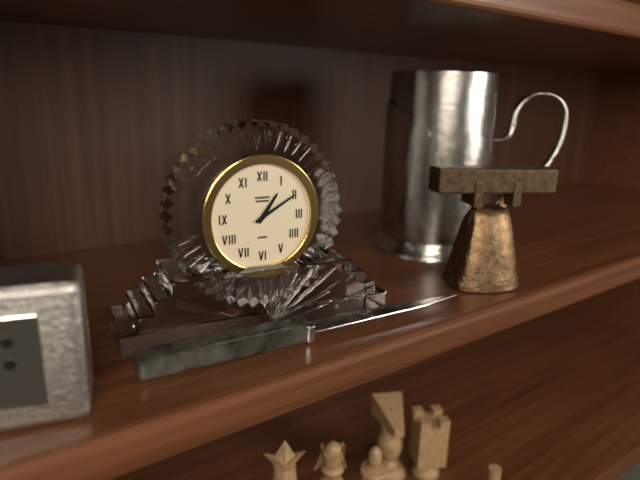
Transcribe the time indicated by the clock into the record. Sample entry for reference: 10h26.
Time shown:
1h10
